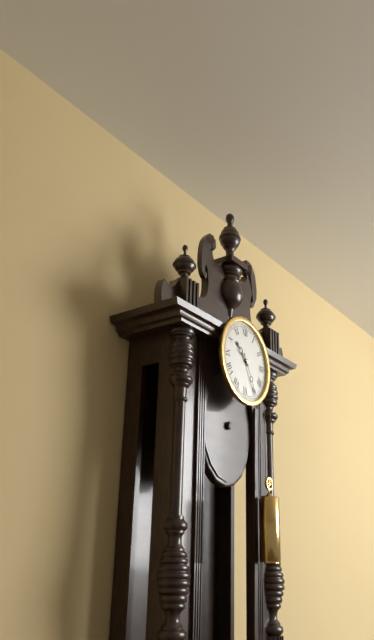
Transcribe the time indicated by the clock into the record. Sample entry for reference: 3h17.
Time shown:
10h25
